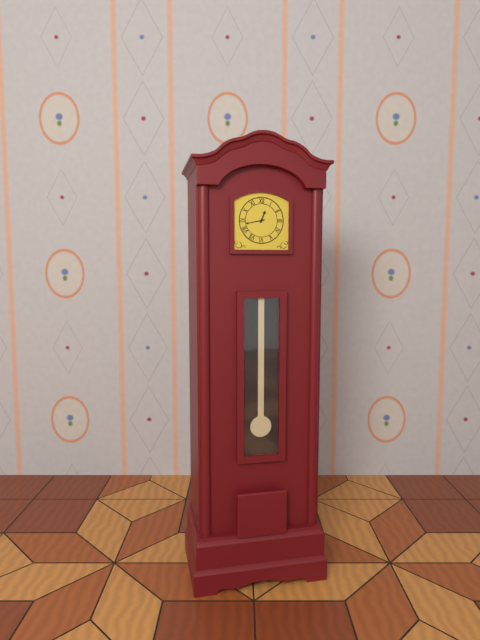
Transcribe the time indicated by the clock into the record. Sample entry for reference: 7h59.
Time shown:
12h43
